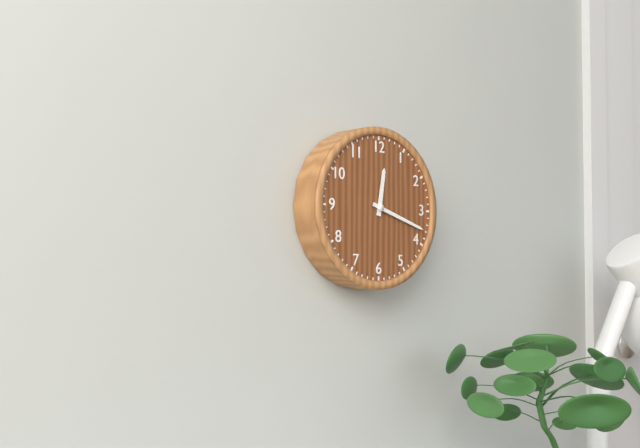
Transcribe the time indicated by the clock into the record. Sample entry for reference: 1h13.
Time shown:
12h18
